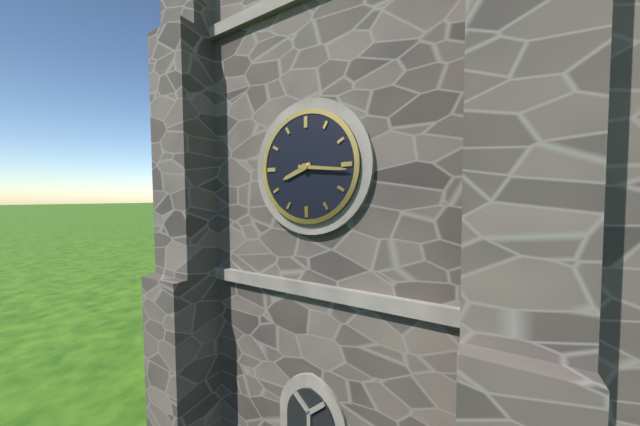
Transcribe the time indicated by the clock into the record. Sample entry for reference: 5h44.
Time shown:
8h16
